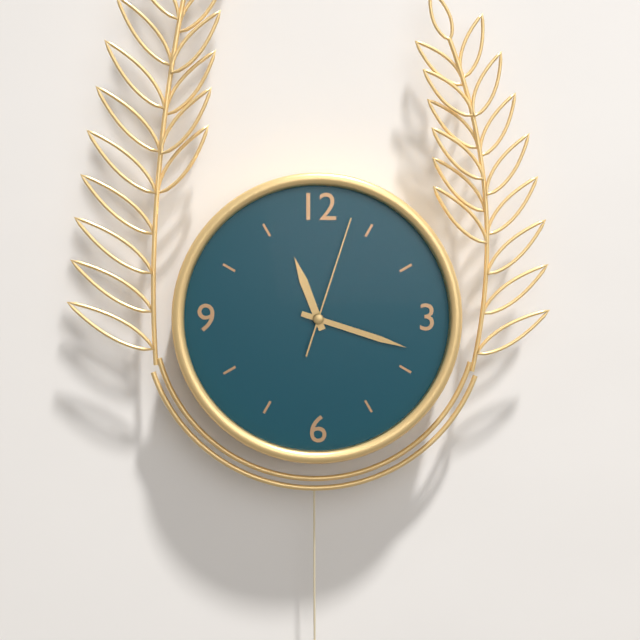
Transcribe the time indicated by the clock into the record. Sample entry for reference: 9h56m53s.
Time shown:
11h18m03s
